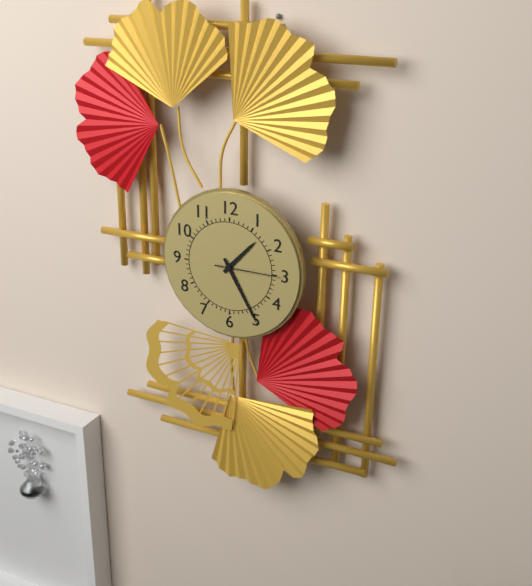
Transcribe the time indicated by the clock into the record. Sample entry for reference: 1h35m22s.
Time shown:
1h25m15s
